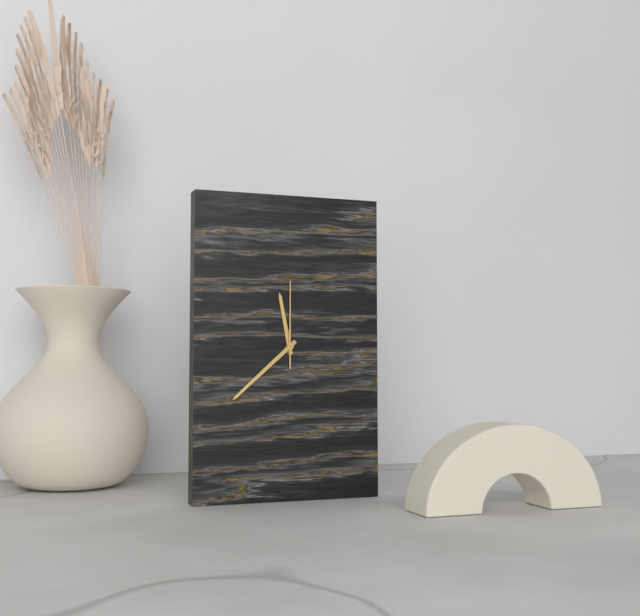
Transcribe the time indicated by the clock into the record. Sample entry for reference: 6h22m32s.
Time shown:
11h38m00s
